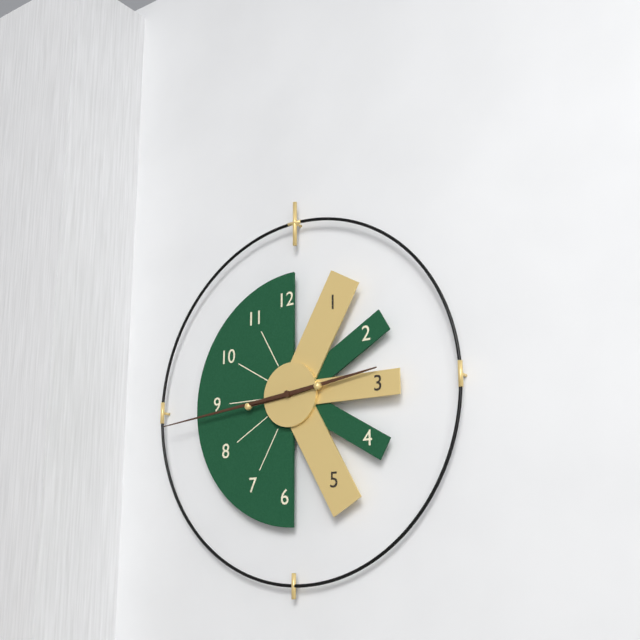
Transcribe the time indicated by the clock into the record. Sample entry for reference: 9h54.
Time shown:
2h44
